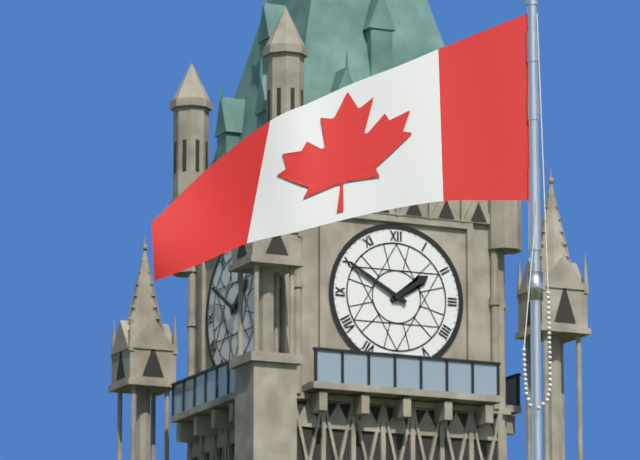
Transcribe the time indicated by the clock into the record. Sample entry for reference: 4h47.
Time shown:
1h50
